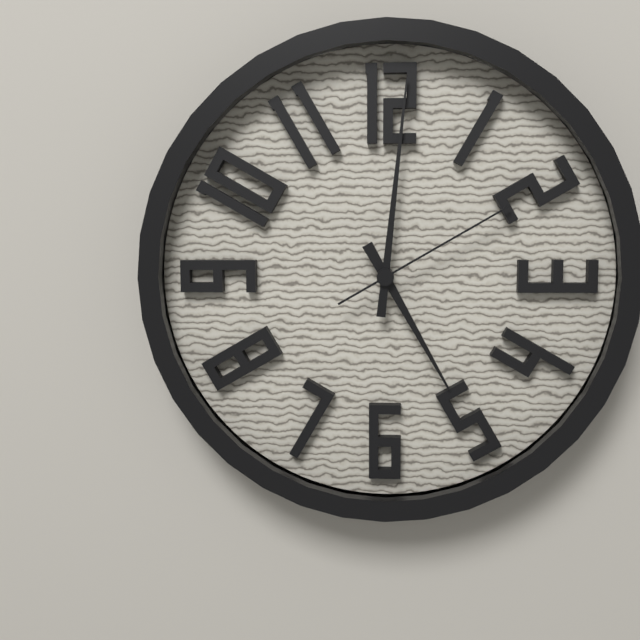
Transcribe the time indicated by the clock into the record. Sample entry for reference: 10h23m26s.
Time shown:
5h01m10s
